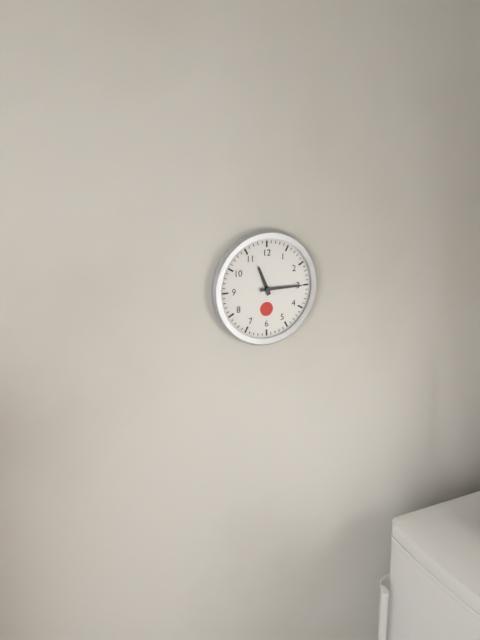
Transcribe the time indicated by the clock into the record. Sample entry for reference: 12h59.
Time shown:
11h15
